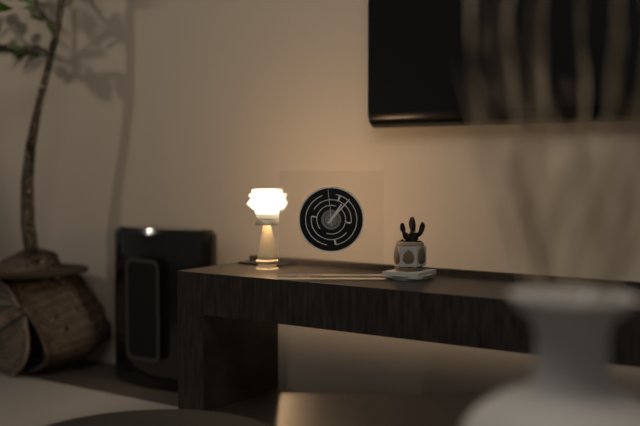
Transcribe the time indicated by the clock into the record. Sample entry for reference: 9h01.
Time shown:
1h07
